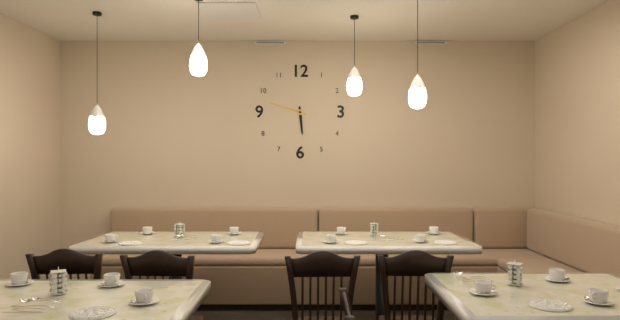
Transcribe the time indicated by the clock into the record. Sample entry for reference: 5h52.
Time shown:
5h48
